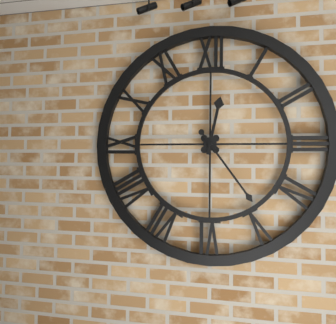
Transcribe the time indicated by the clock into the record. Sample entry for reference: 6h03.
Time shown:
12h24
